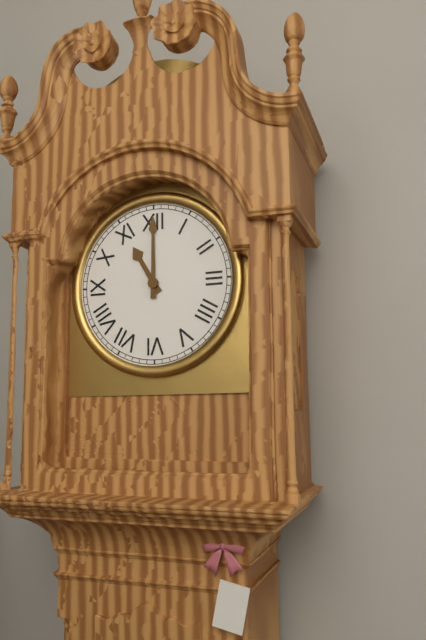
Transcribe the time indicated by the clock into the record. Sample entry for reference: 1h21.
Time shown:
11h00
